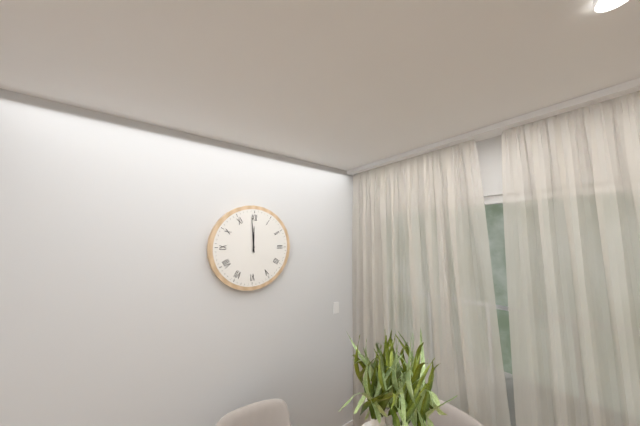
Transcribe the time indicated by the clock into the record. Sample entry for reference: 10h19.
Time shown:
11h59
